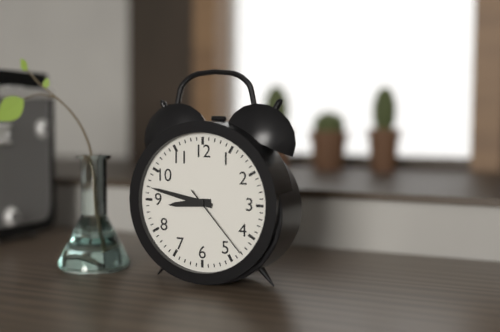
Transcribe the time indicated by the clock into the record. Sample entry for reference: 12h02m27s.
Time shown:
8h47m23s
